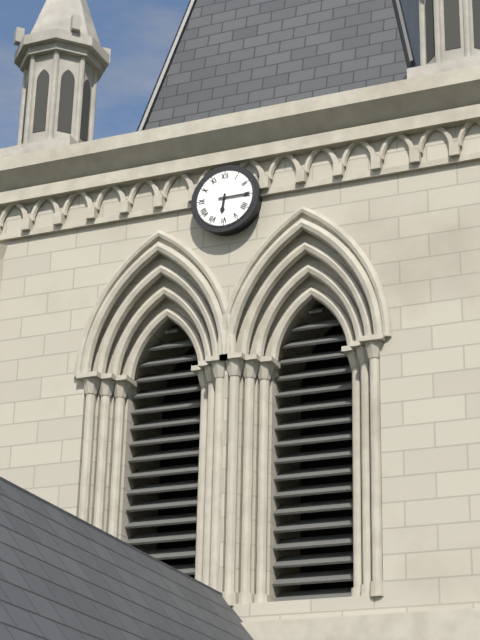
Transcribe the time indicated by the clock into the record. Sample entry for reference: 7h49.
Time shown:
6h15
